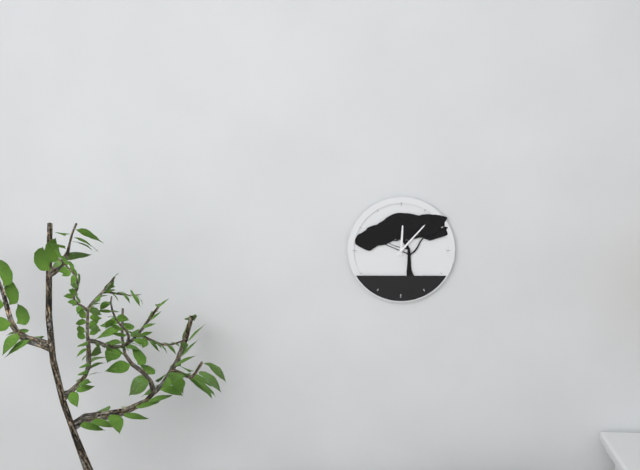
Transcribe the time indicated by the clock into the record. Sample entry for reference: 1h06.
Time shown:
12h07
